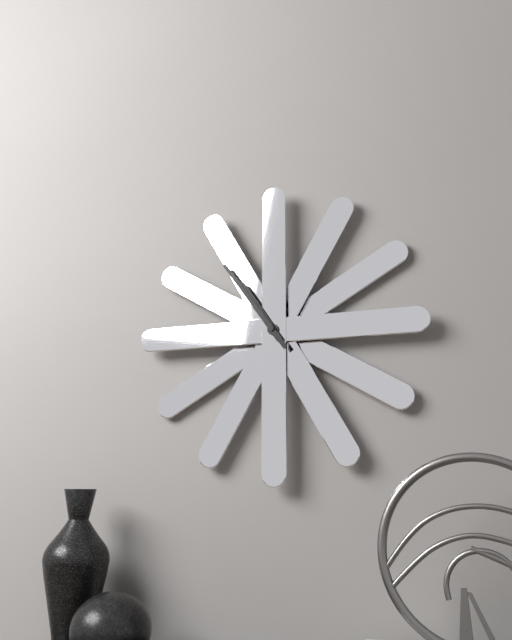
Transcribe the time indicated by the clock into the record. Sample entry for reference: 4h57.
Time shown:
10h54
